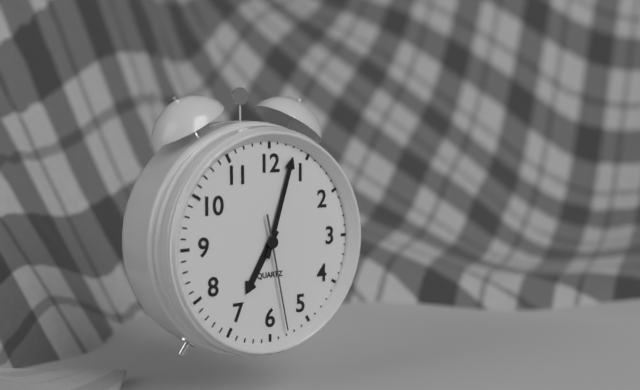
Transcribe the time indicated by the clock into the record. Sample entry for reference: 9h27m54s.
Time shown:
7h03m28s
